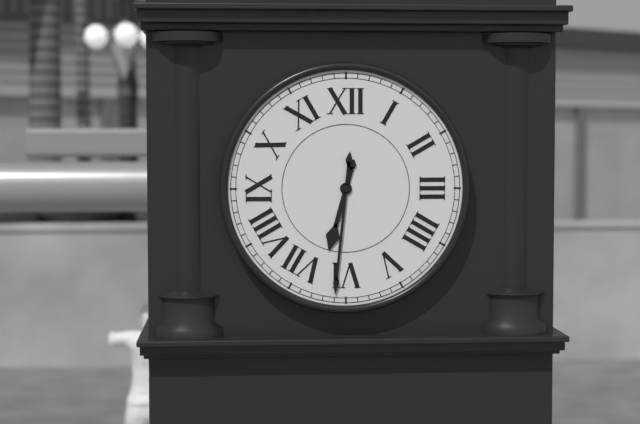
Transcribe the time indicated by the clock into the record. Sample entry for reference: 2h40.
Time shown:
6h31
